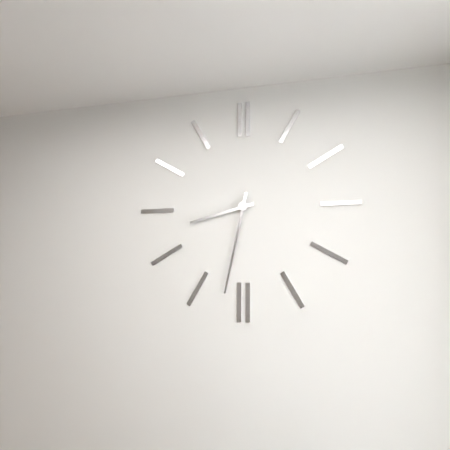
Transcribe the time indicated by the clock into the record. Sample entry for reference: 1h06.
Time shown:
8h32
